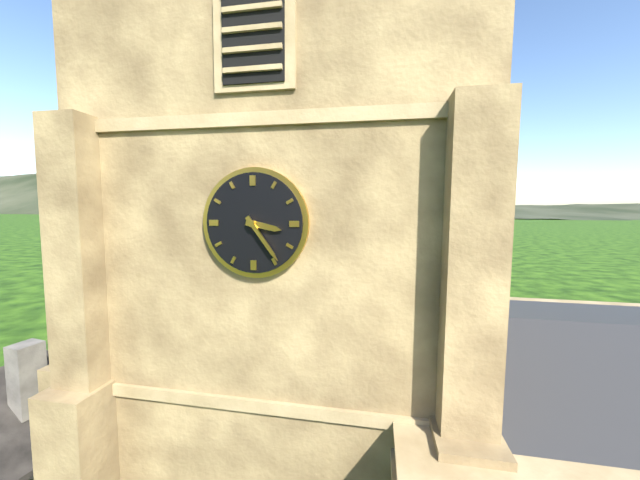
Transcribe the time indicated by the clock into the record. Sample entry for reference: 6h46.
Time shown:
3h24
